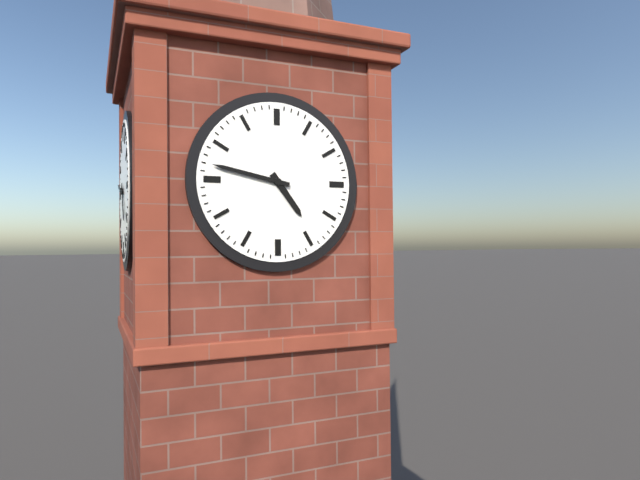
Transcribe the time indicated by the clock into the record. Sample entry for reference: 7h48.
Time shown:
4h47
